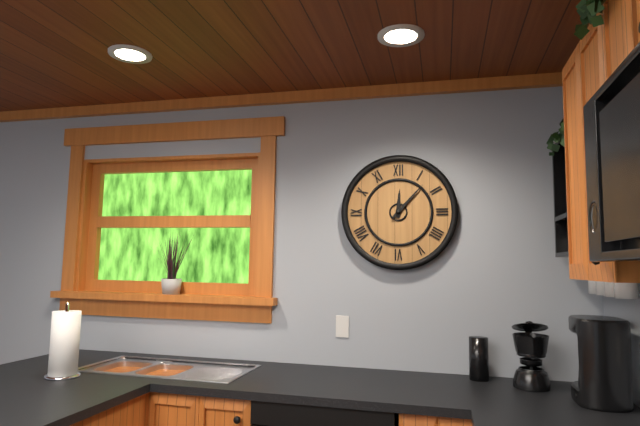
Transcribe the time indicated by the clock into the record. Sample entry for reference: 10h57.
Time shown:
12h07
